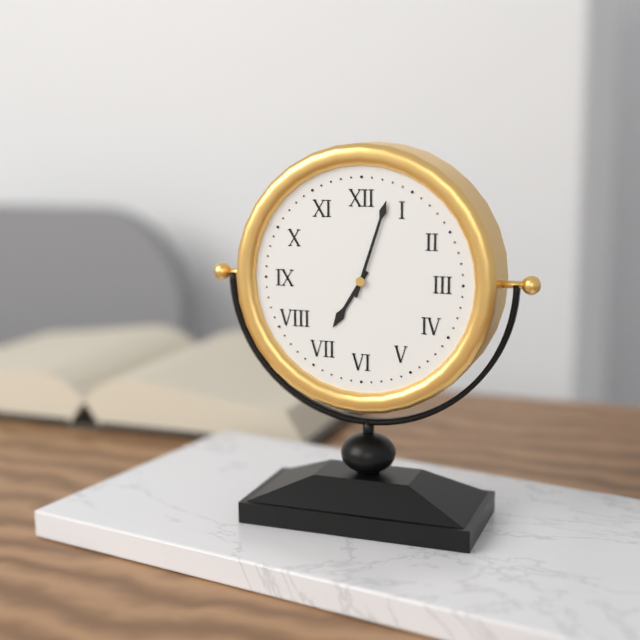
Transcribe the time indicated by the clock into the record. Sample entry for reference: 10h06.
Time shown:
7h03
